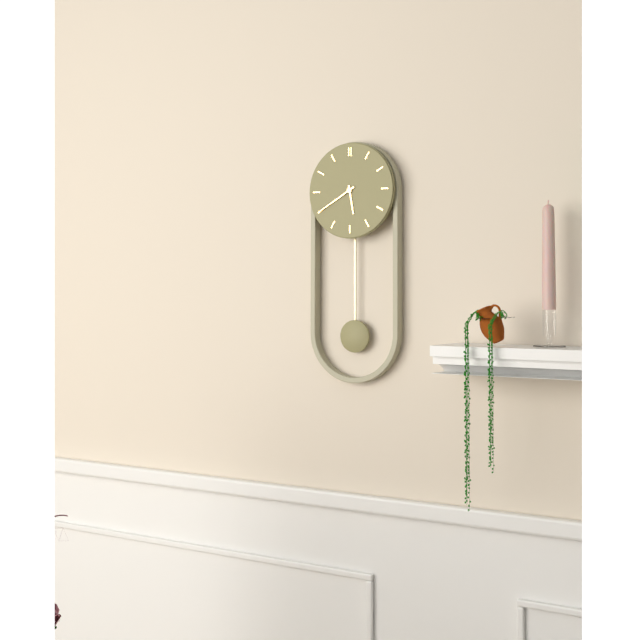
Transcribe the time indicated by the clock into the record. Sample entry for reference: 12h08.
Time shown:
5h40
